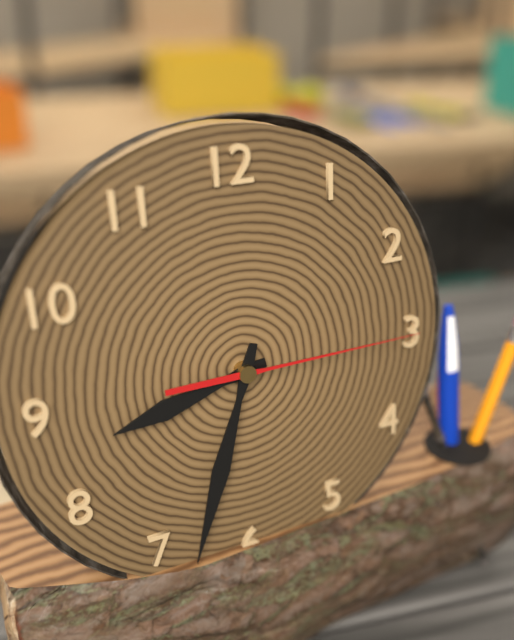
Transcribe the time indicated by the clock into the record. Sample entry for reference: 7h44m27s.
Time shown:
8h33m15s
